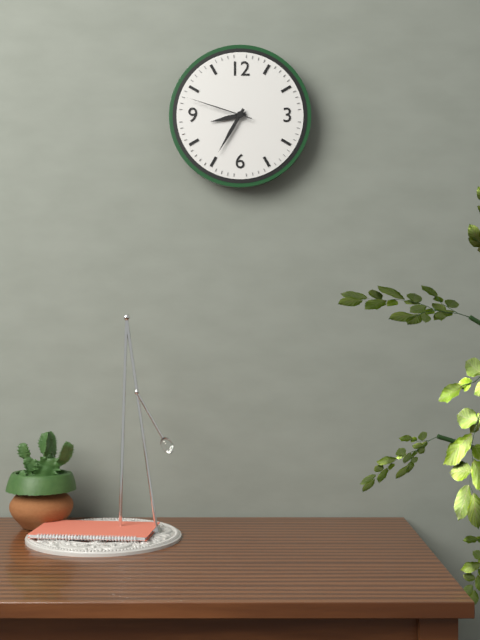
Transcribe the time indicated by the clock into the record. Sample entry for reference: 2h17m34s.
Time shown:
8h35m48s
